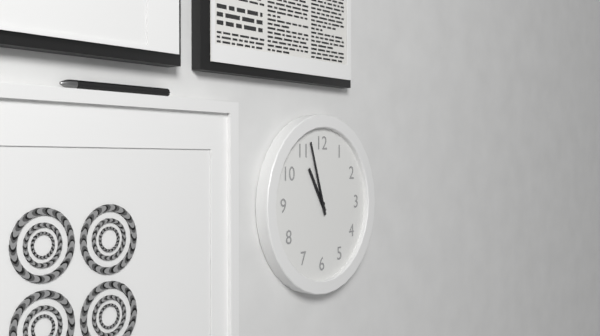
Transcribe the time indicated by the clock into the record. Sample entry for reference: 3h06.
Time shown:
10h57
